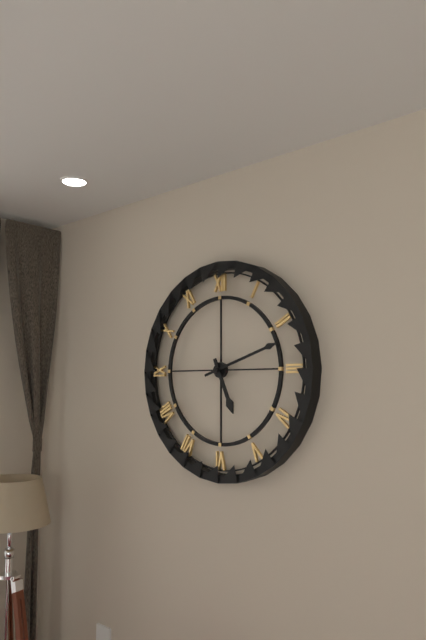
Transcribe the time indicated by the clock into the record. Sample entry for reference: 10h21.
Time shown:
5h12
